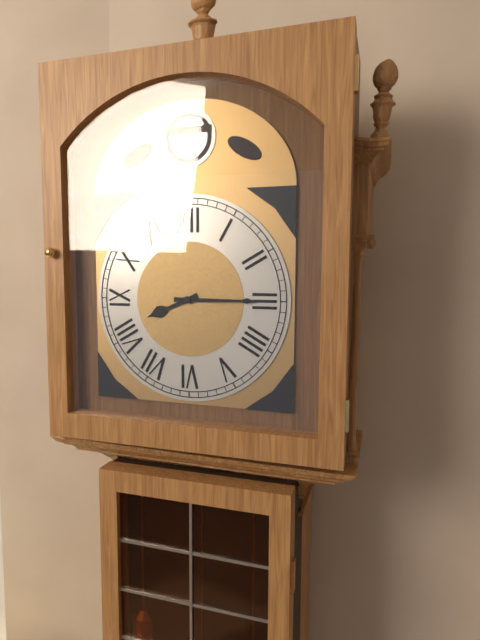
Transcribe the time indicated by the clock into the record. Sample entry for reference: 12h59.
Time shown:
8h15
